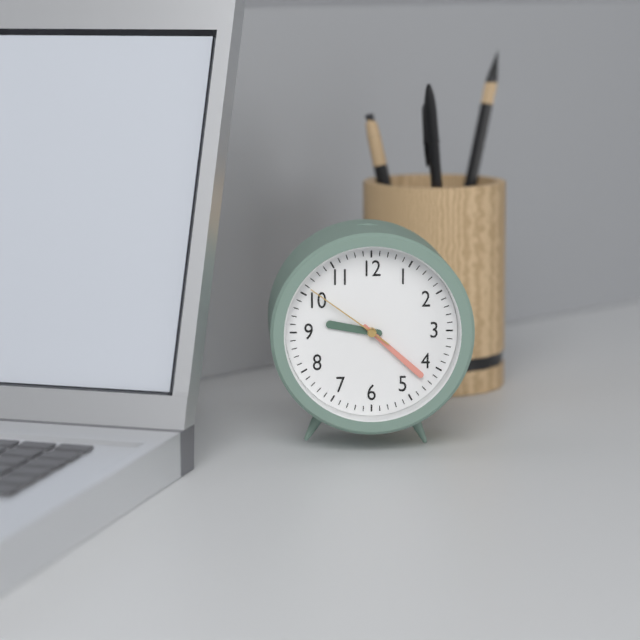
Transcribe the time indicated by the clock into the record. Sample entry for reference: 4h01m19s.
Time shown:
9h22m51s
